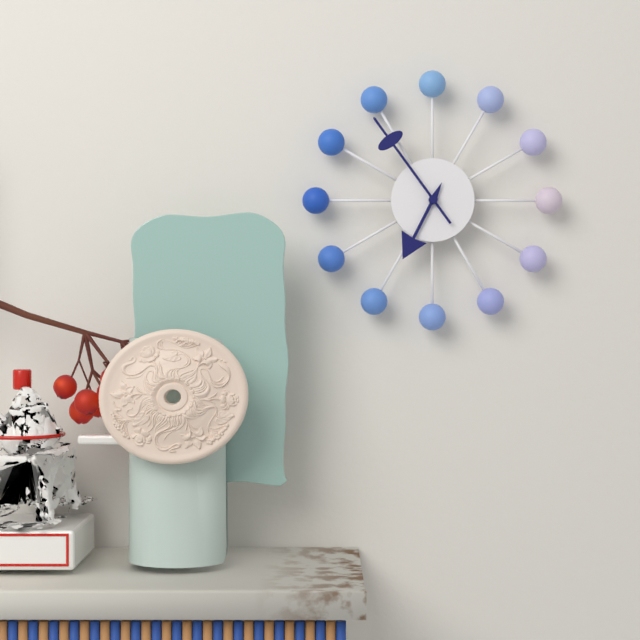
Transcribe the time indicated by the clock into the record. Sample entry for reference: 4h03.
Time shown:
6h54
